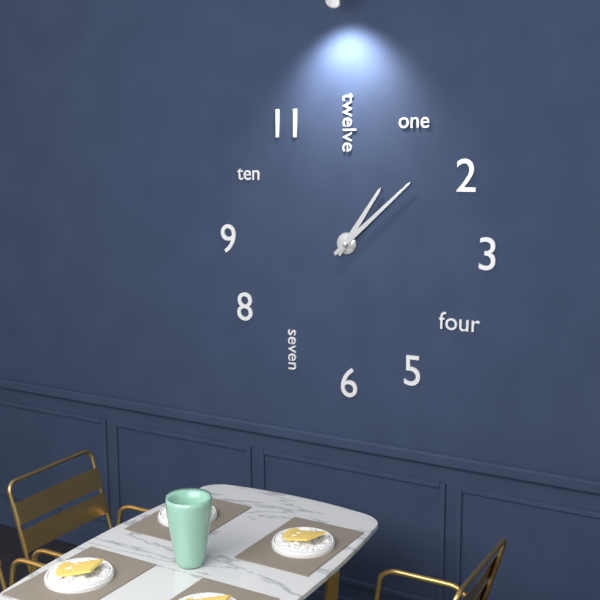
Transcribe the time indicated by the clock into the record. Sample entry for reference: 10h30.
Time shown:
1h08
